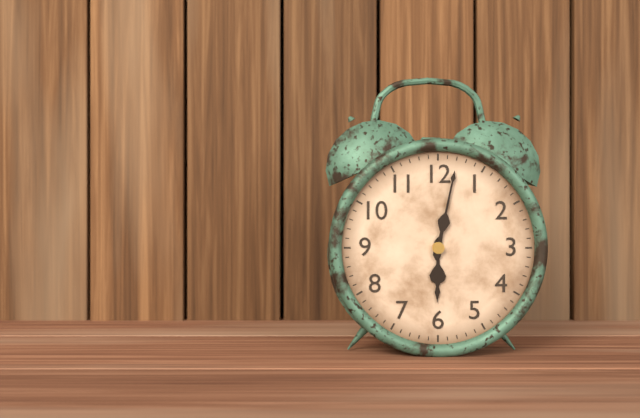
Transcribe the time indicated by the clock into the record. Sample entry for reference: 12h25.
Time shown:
6h02
